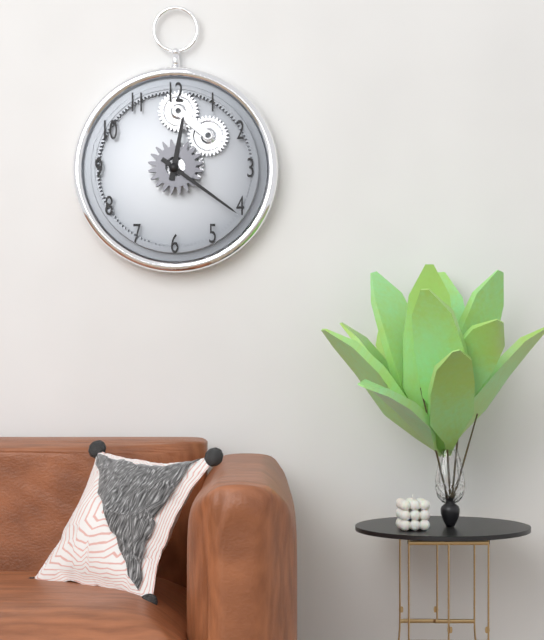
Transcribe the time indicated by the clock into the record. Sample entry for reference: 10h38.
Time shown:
12h21
